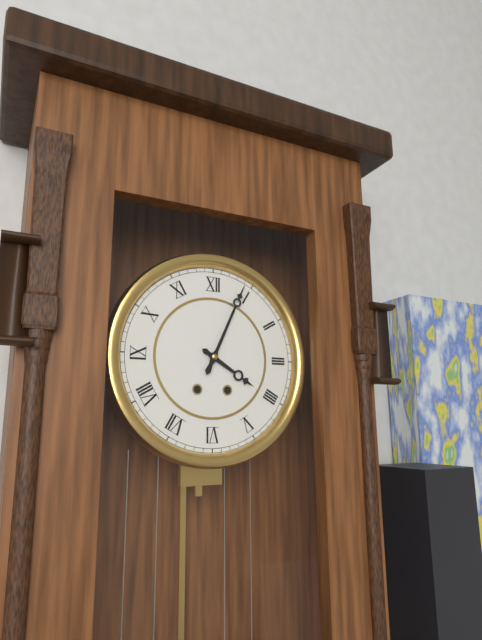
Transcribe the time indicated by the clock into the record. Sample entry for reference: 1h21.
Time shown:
4h04
